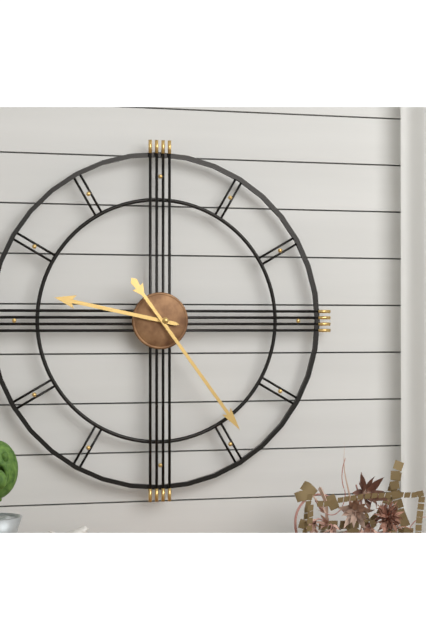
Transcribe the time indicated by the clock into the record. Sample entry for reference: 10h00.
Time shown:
9h24
